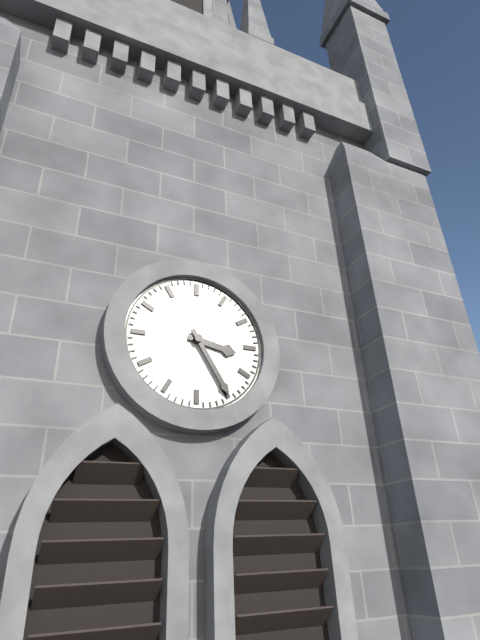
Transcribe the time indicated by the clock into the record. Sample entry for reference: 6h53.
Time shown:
3h25
